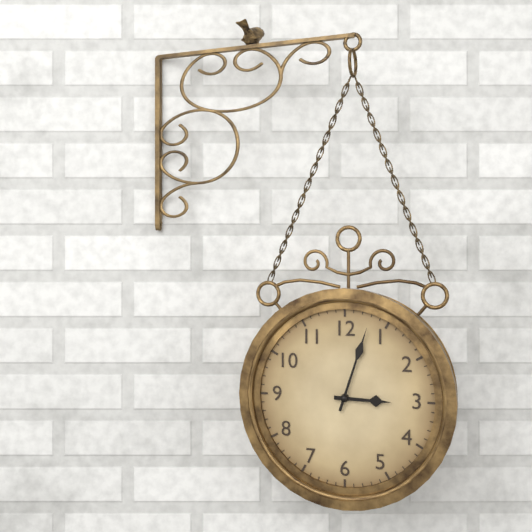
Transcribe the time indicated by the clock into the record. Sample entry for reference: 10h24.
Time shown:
3h03
